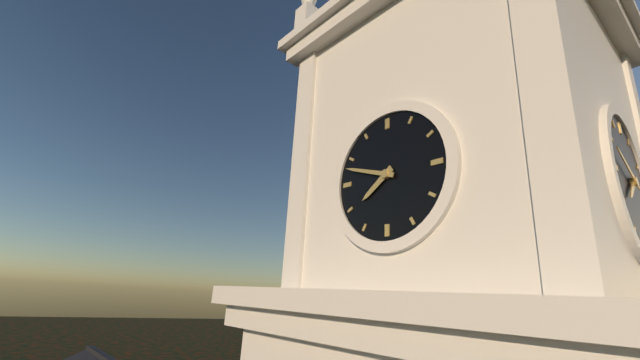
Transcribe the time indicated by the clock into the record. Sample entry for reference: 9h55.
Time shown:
7h48
